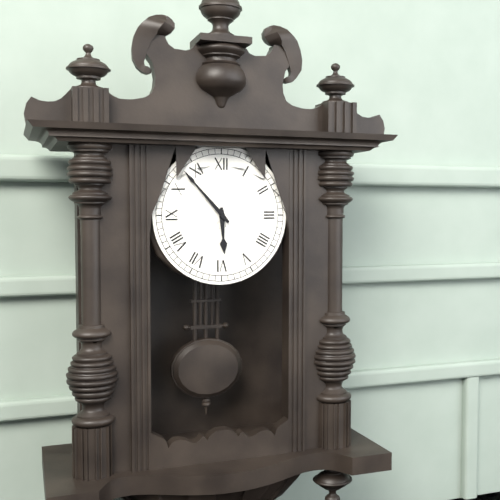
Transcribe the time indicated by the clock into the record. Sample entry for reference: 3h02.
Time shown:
5h53
